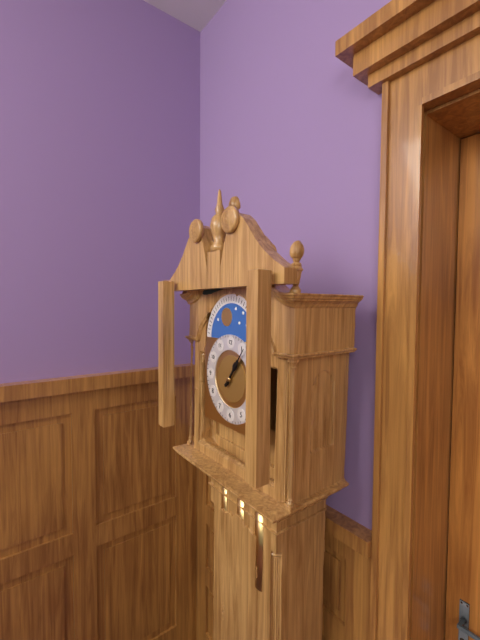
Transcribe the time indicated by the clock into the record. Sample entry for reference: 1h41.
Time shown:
1h06
